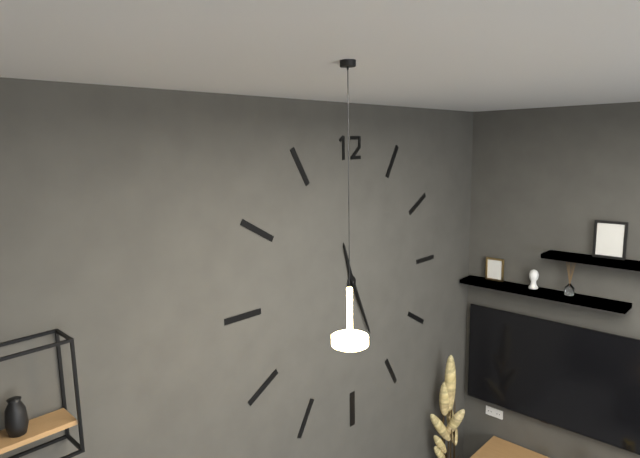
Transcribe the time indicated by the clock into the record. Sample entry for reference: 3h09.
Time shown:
11h26
